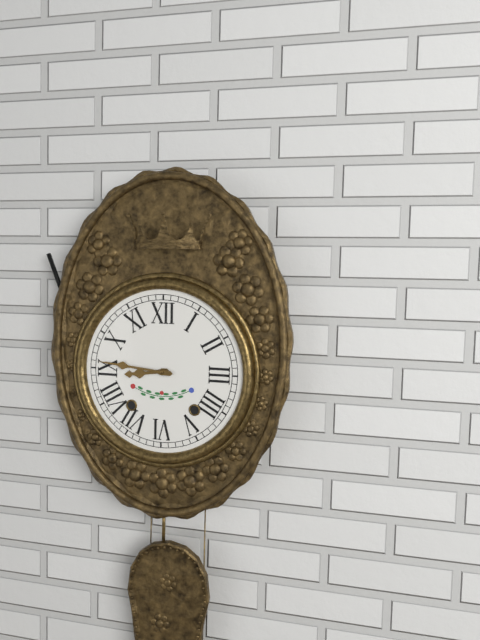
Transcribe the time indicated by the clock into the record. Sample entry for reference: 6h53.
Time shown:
8h46
